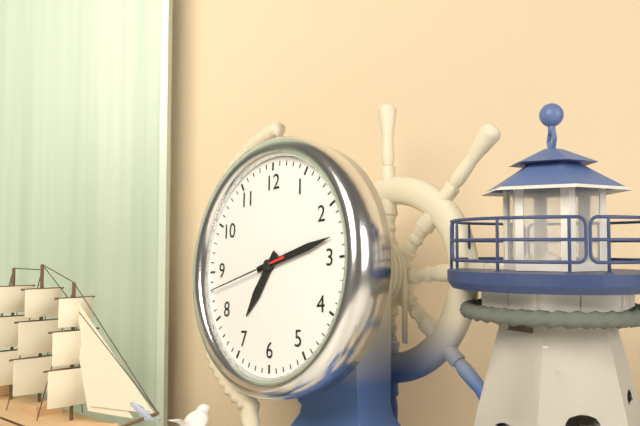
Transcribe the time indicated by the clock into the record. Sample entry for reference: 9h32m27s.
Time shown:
7h13m43s
